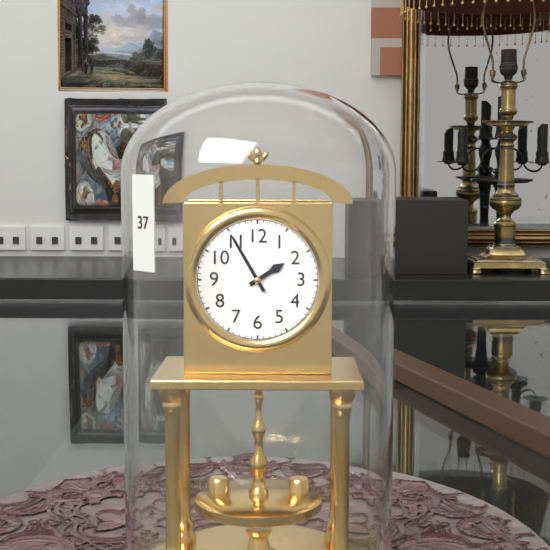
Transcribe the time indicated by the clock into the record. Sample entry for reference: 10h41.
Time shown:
1h55
